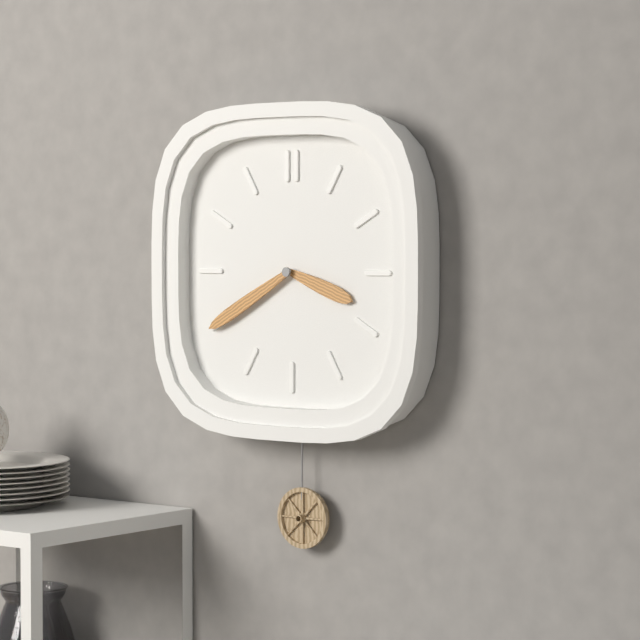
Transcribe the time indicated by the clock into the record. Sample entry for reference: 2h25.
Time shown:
3h40
